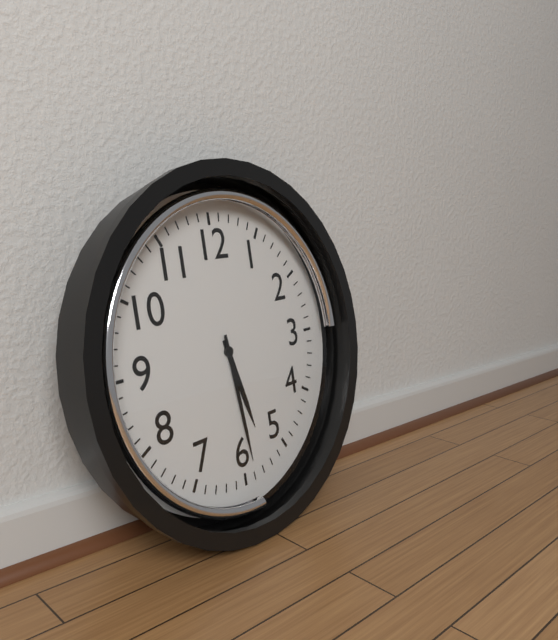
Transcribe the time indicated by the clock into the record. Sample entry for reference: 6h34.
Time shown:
5h29
